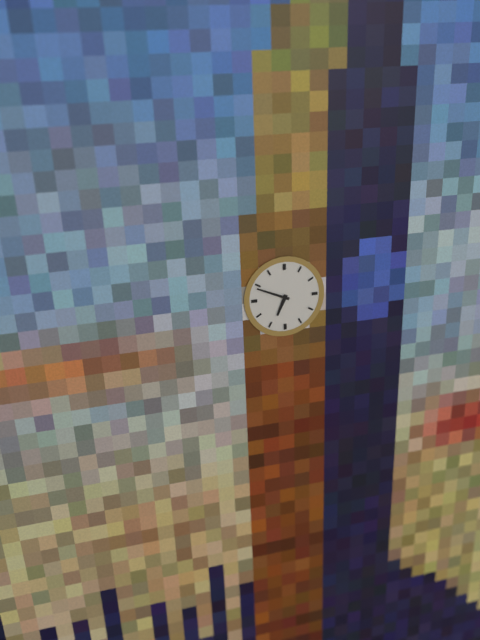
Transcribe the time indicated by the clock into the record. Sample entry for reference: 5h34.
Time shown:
6h49
